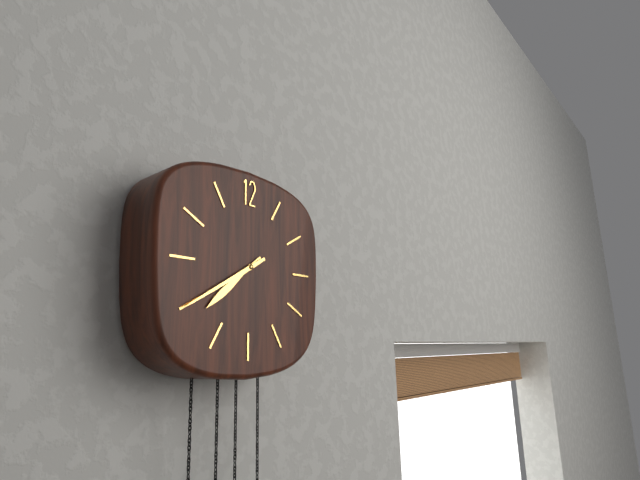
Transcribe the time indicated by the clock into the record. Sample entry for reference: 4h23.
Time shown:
7h40
